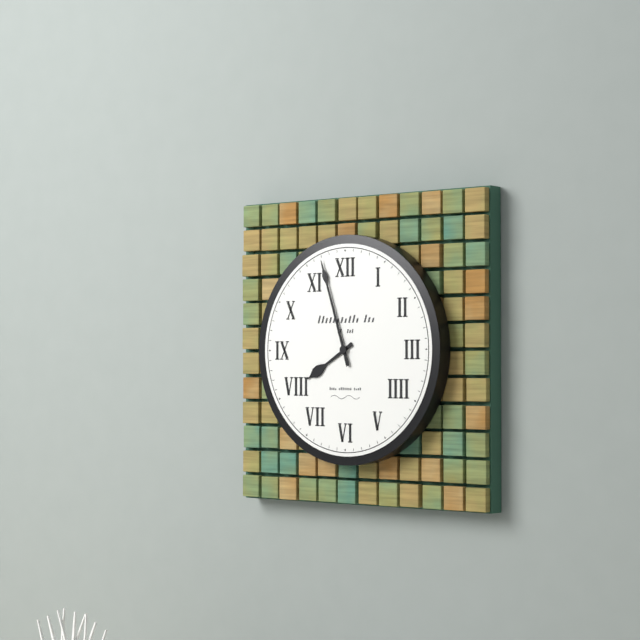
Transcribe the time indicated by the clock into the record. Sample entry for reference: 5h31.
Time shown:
7h57
